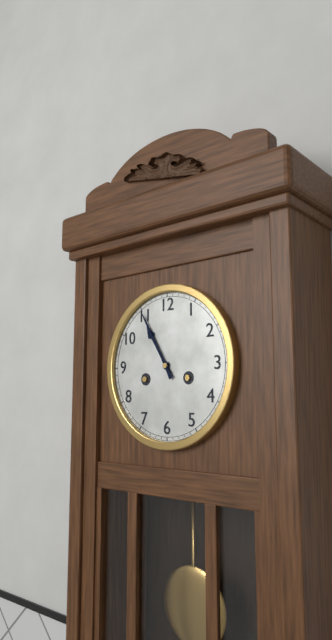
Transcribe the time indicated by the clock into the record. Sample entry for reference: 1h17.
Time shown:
10h55
